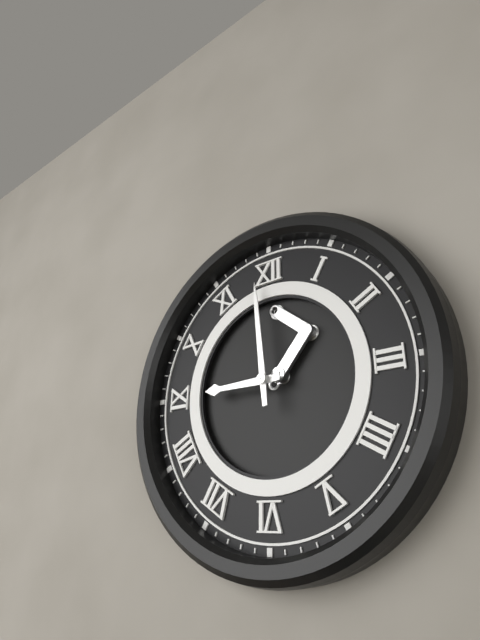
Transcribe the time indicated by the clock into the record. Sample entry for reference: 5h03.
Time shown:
8h59
